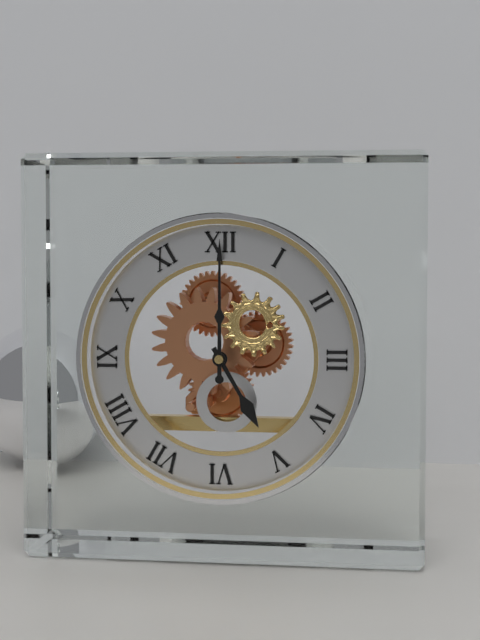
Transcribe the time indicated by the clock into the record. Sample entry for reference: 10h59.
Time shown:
5h00
